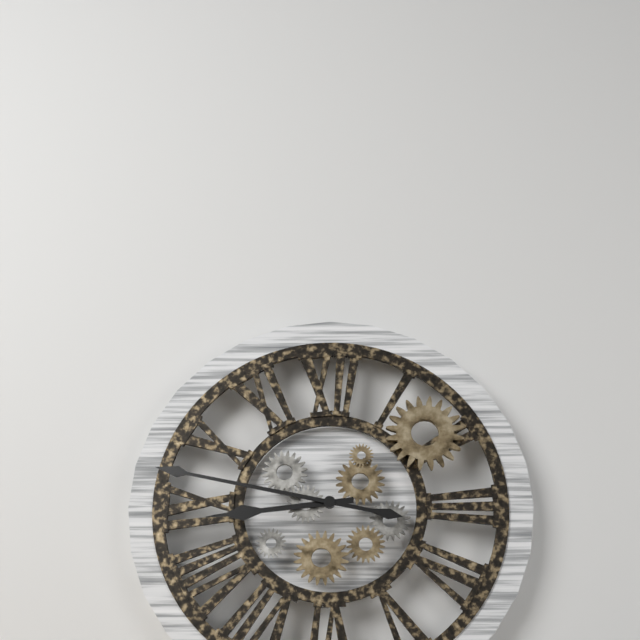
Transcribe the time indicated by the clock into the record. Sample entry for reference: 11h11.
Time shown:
8h47
